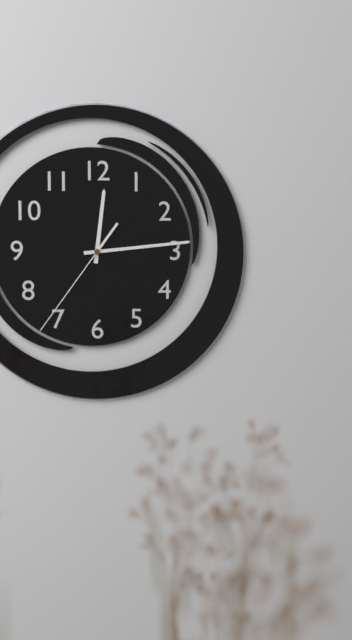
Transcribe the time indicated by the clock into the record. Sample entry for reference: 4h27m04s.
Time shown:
12h14m36s
